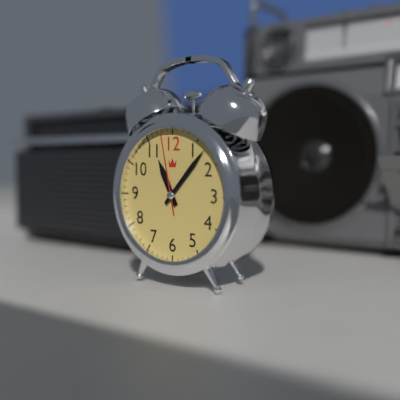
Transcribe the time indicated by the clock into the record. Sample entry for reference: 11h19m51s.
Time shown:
11h07m58s
